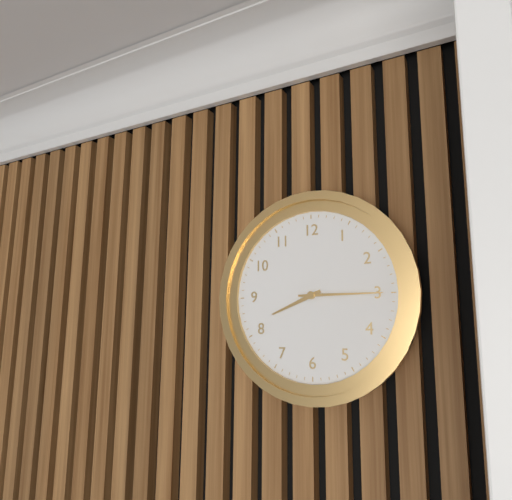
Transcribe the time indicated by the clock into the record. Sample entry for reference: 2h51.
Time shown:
8h15
